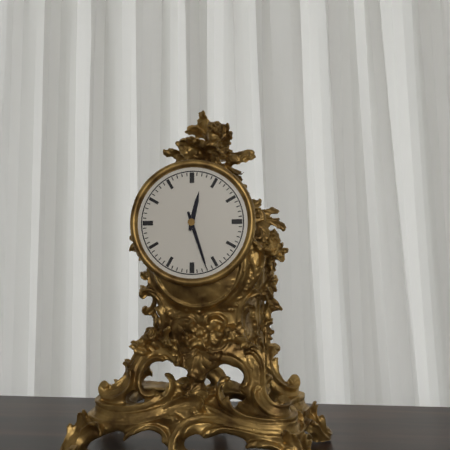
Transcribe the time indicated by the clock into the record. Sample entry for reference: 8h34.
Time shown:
12h27
